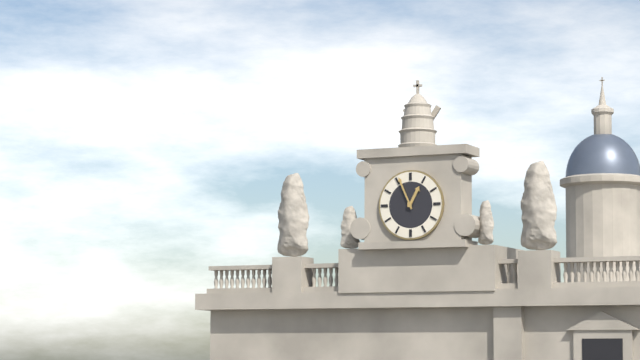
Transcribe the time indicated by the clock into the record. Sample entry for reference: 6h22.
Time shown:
12h56
